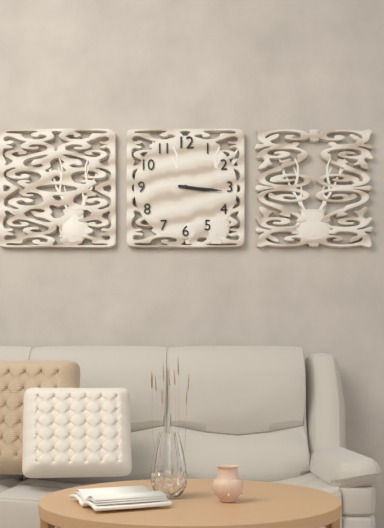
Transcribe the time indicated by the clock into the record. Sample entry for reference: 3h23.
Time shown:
3h16
